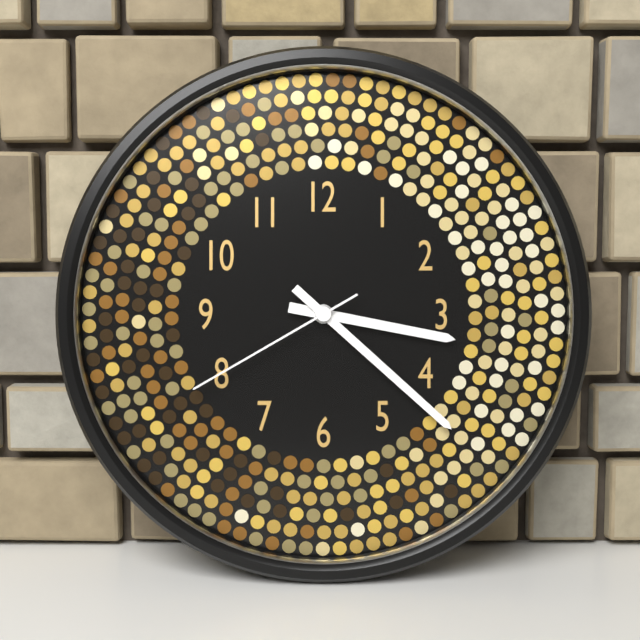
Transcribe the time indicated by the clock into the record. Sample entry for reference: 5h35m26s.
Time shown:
3h22m40s
